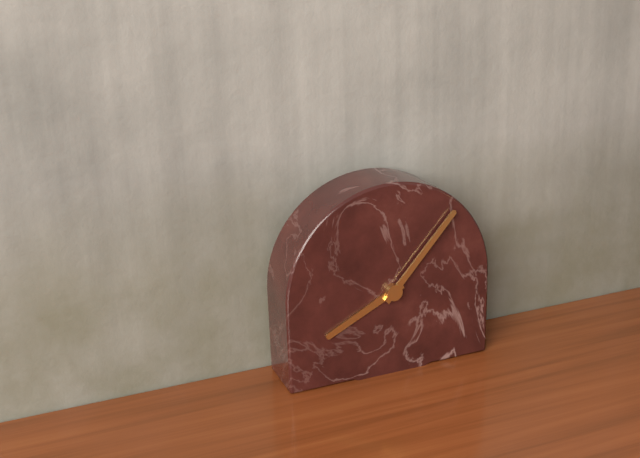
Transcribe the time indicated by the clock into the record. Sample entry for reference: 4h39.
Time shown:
8h07
